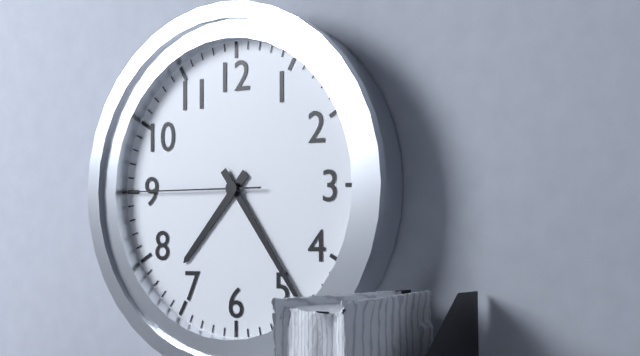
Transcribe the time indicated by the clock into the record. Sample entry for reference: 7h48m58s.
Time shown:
7h24m45s
